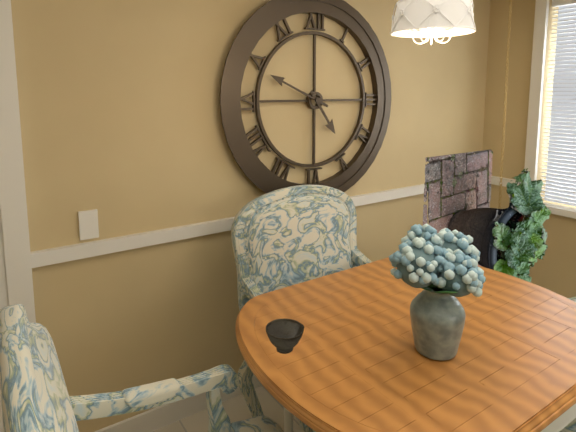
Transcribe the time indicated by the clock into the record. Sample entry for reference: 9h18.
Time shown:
4h49
